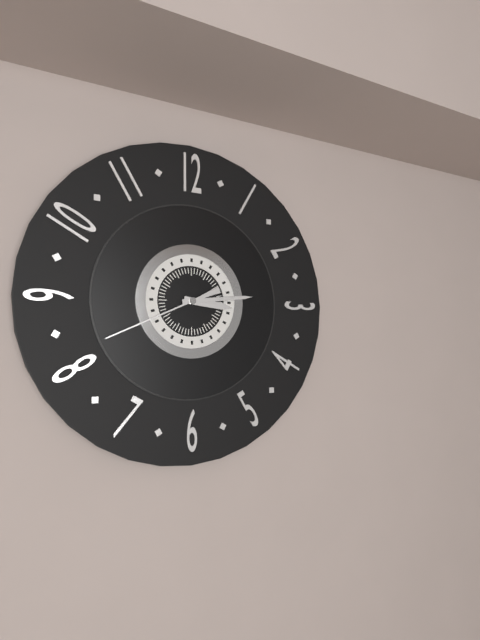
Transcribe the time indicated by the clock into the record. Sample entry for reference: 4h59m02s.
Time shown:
3h14m41s
